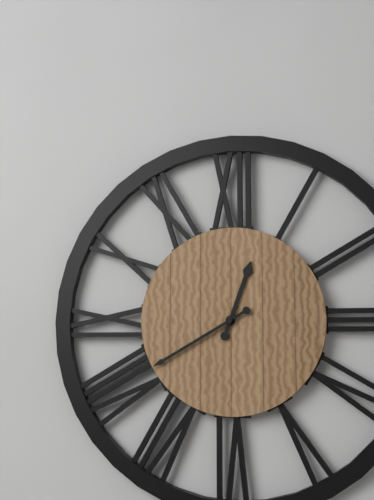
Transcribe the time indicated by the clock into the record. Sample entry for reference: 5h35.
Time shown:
12h40
